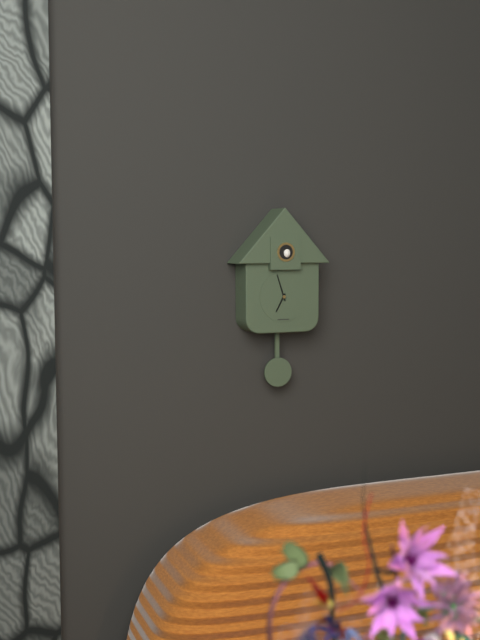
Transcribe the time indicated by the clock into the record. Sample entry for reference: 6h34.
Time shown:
6h57
